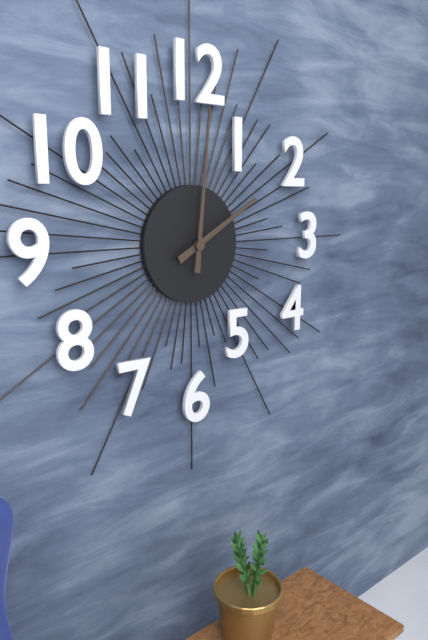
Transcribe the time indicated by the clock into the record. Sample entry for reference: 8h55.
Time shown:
2h01
